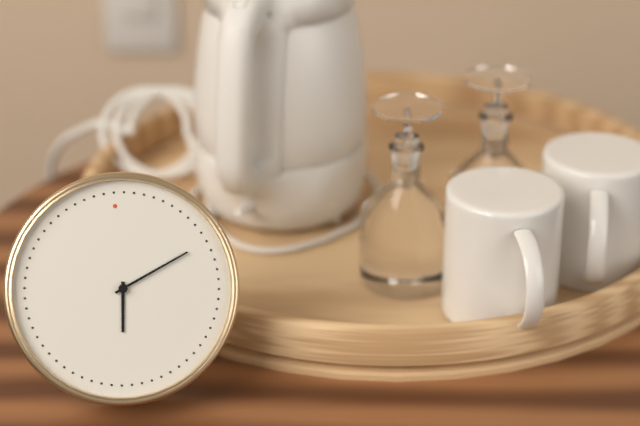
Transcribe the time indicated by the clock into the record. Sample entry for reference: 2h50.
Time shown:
6h11
